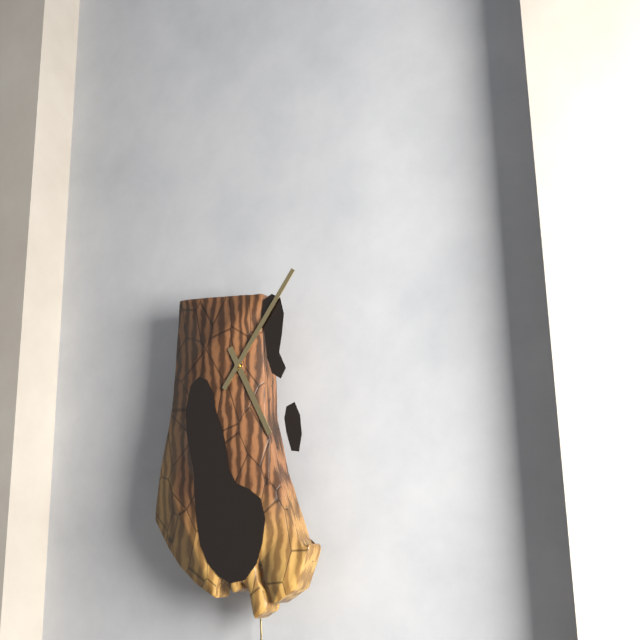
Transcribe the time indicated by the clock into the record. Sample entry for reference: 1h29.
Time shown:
5h06
